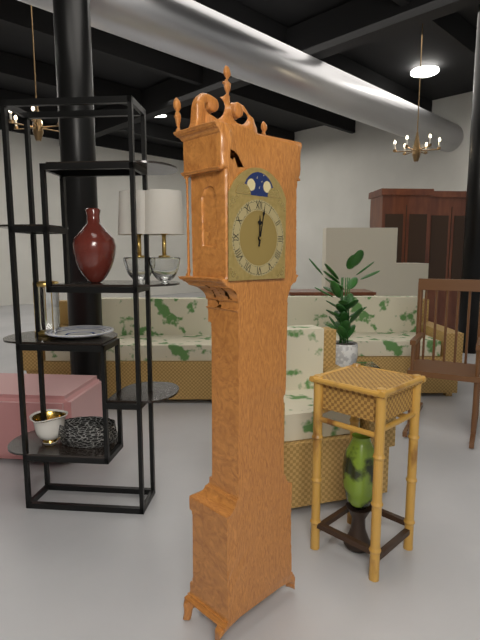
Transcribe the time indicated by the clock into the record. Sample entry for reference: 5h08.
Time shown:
12h02
